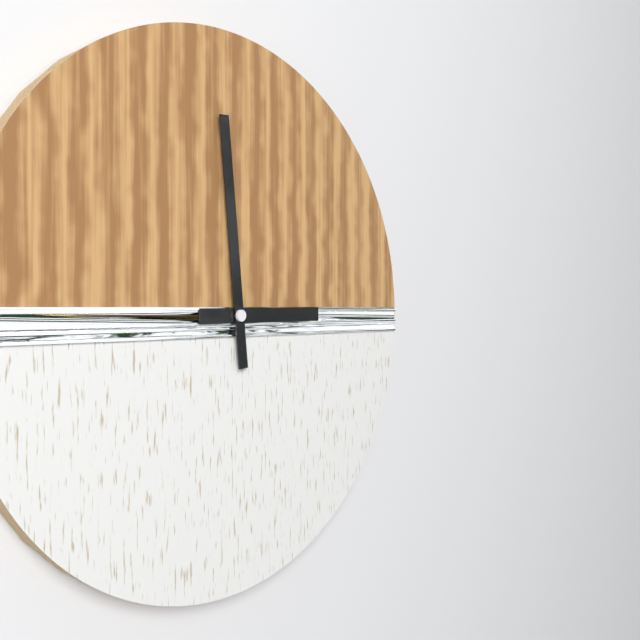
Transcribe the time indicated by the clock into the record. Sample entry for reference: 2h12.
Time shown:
2h59
